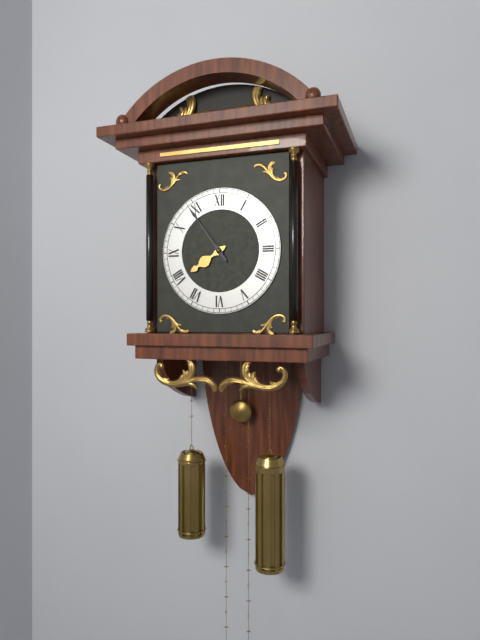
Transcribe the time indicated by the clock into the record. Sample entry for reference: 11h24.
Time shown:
7h54
